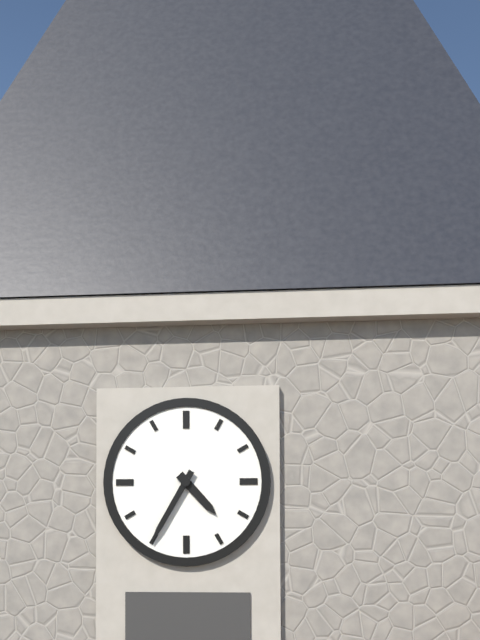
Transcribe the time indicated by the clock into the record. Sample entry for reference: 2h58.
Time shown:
4h35
